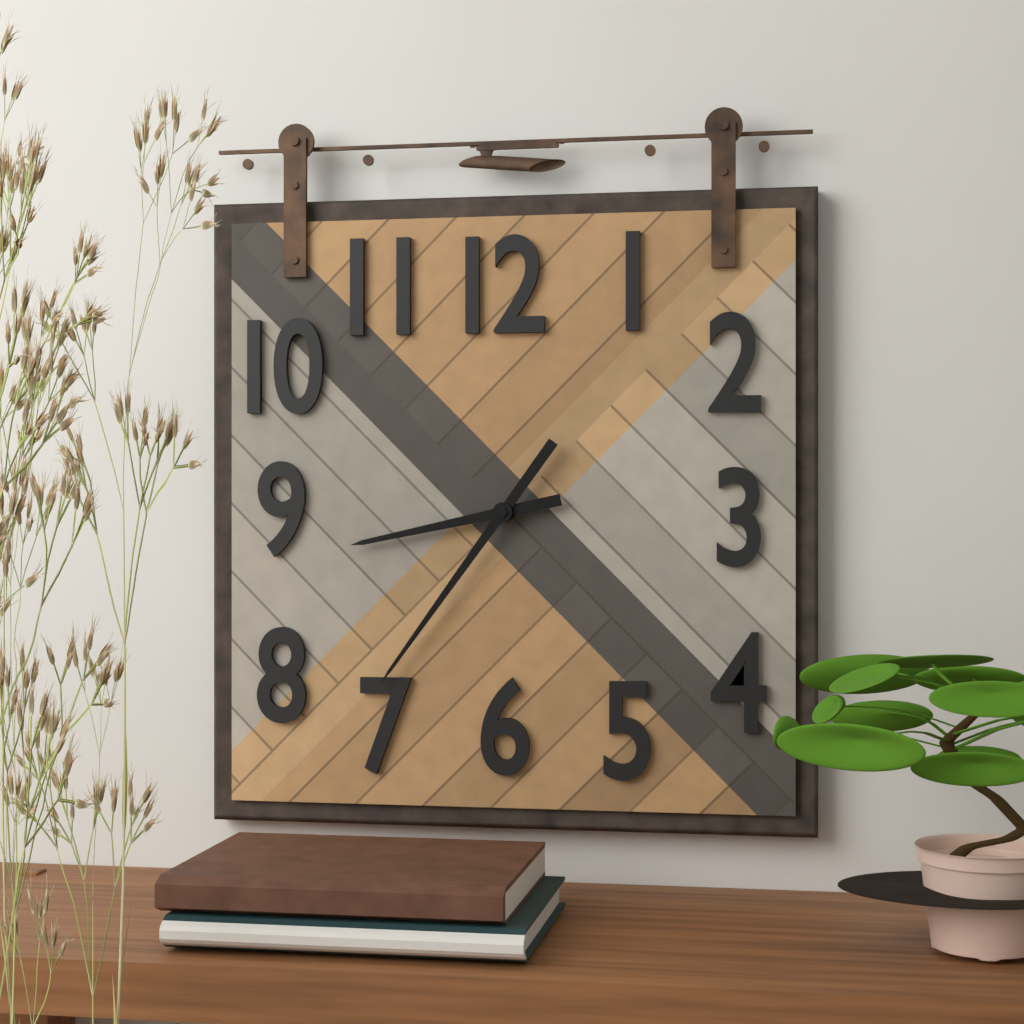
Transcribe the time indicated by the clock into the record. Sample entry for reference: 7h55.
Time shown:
8h36
